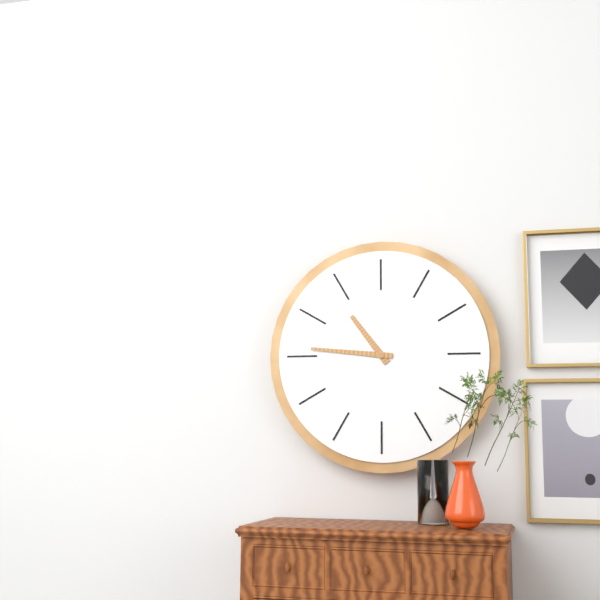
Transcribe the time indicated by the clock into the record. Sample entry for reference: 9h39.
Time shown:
10h46
